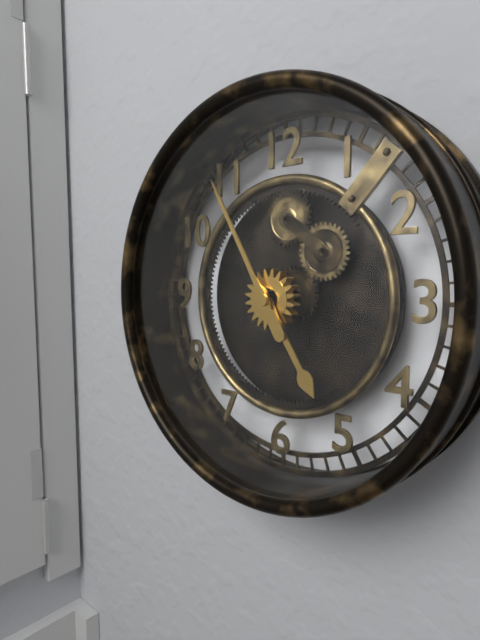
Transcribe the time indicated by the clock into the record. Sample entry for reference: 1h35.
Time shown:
4h55
